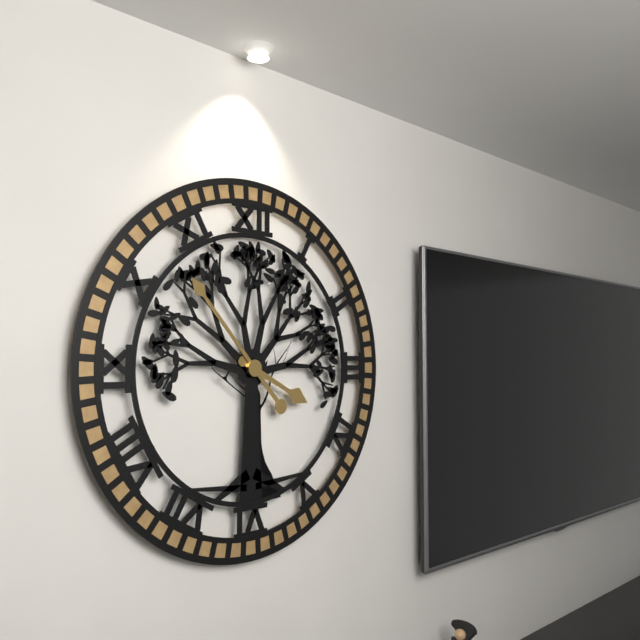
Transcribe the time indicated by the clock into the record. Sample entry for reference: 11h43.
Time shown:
3h53
